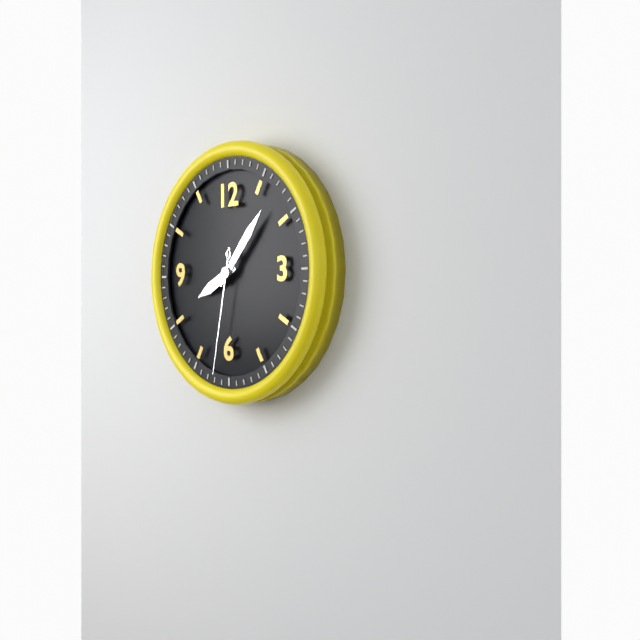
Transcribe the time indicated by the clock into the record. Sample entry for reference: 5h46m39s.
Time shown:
8h07m32s
